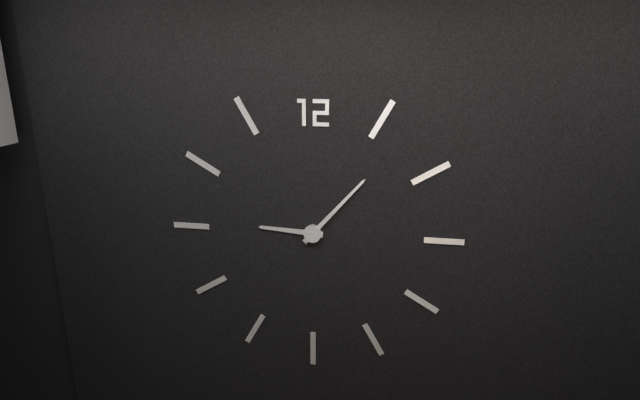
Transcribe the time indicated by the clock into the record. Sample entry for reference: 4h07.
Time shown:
9h07
